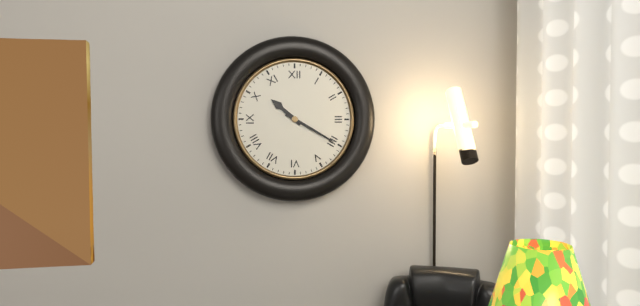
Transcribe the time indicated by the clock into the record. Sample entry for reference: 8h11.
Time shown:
10h20
